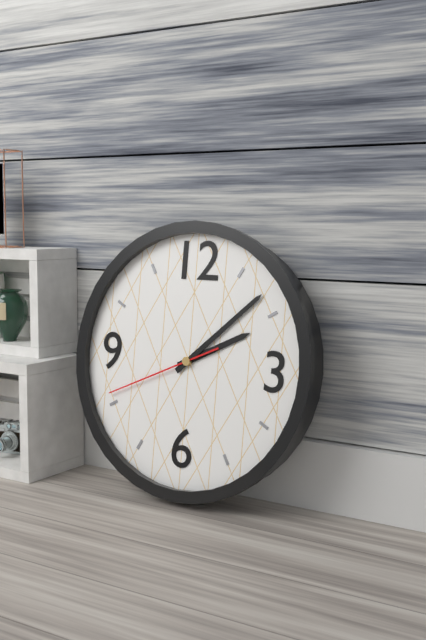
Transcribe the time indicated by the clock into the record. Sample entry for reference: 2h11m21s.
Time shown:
2h08m41s
